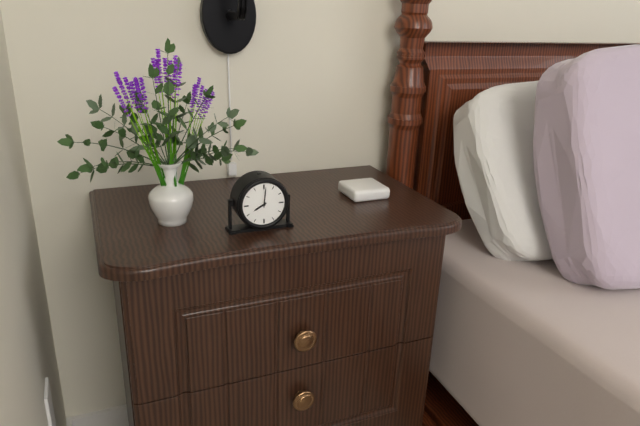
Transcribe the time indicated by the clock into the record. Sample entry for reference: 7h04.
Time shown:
8h01
